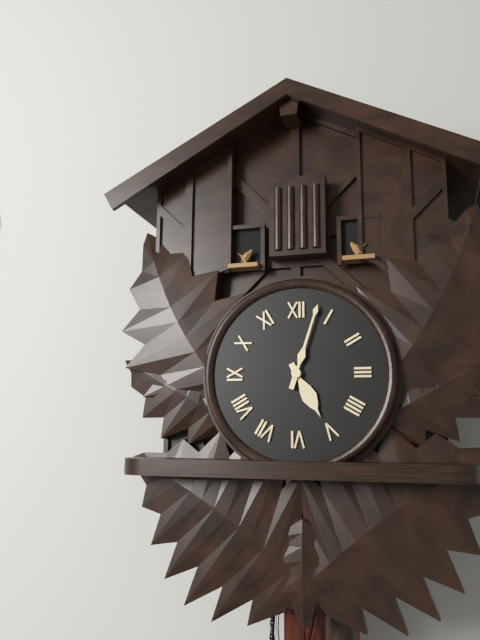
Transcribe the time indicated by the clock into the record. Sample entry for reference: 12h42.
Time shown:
5h03
